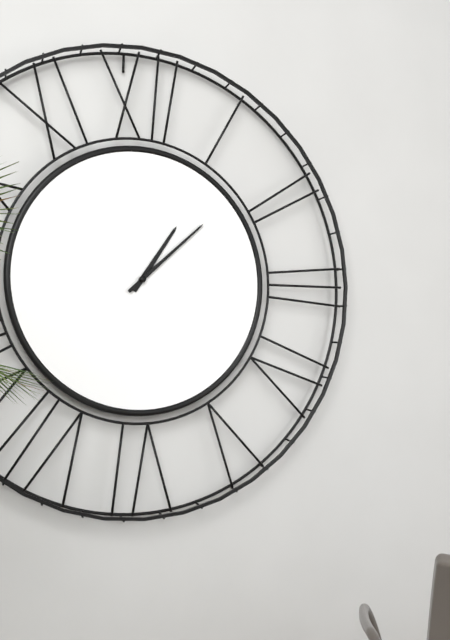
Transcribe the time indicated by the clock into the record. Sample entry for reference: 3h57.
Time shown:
1h08
